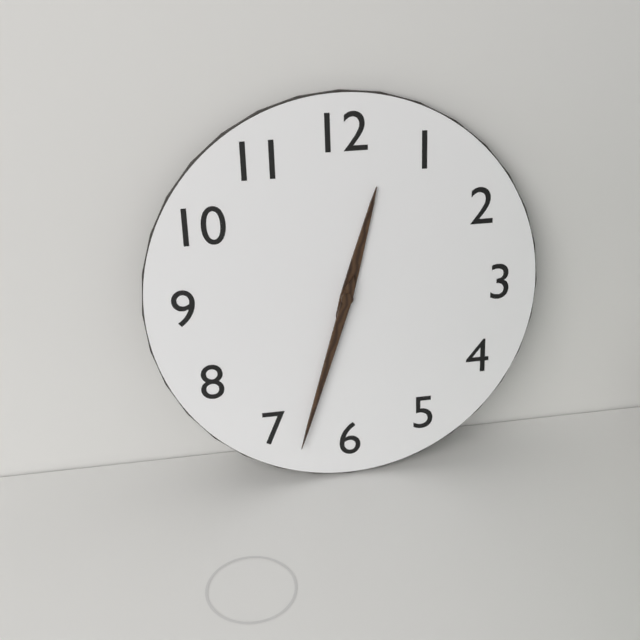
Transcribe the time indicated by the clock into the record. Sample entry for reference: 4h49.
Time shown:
12h33
